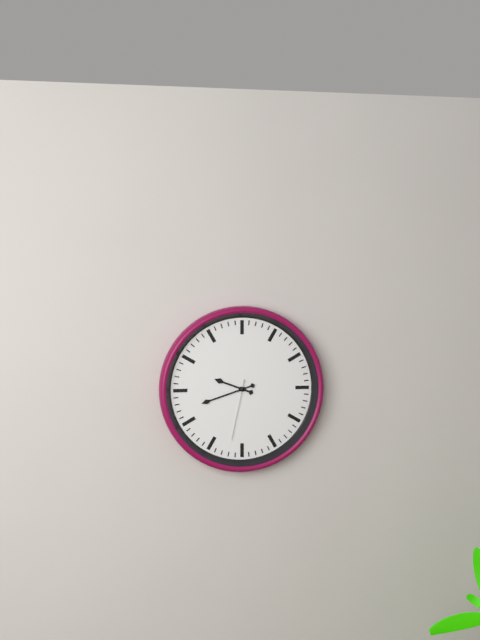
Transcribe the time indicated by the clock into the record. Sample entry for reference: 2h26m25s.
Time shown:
9h42m32s
